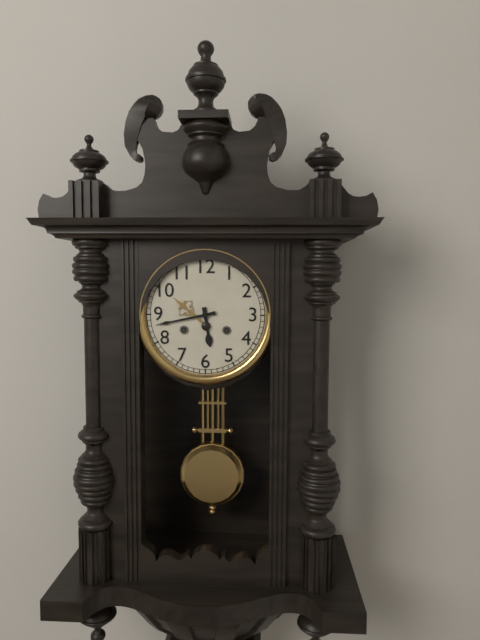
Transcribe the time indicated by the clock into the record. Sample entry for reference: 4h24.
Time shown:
5h43
